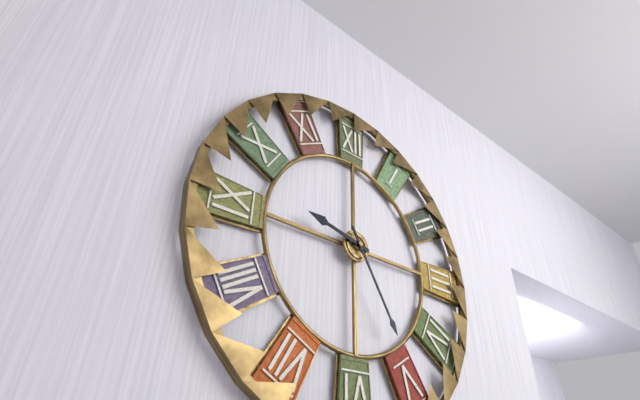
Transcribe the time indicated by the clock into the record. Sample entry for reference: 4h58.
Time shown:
9h25
